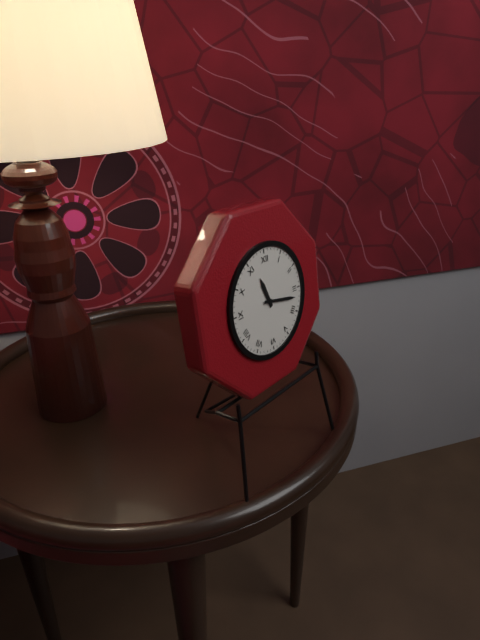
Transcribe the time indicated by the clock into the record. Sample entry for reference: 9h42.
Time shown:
11h17
